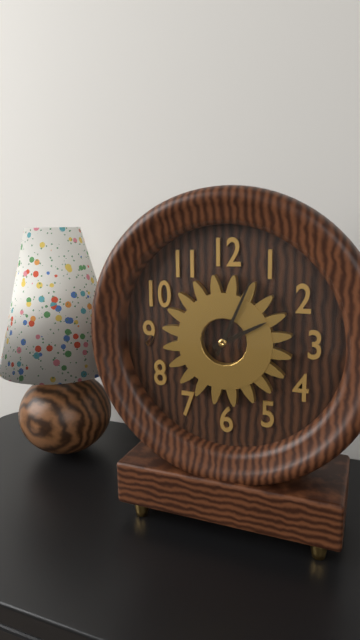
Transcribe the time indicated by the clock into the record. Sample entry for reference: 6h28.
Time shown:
2h04
